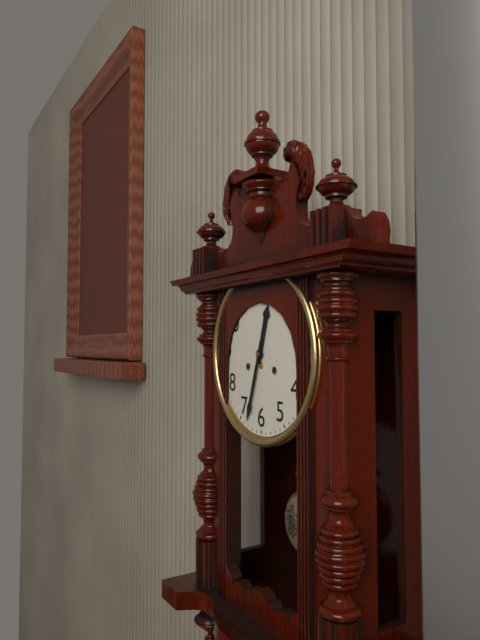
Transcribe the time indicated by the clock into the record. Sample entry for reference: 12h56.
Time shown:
12h33
